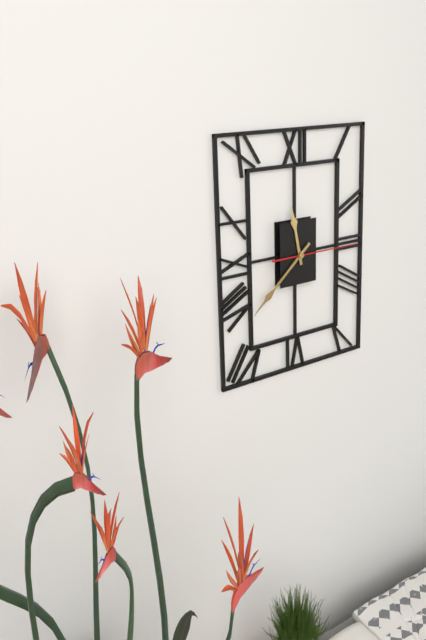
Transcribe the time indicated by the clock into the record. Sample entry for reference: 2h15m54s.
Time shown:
11h38m15s
